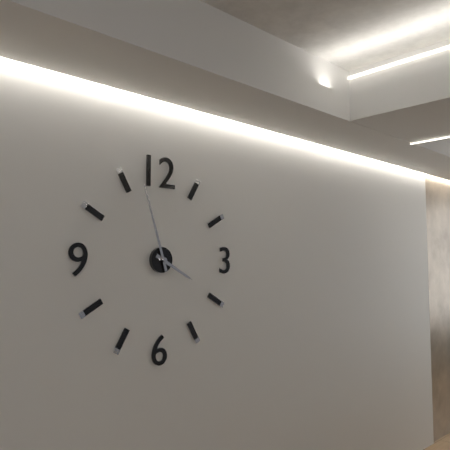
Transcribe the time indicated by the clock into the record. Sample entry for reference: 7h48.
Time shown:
3h57
